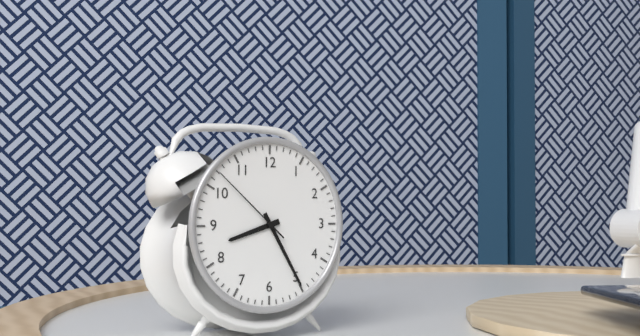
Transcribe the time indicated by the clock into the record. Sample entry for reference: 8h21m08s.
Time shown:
8h25m52s
